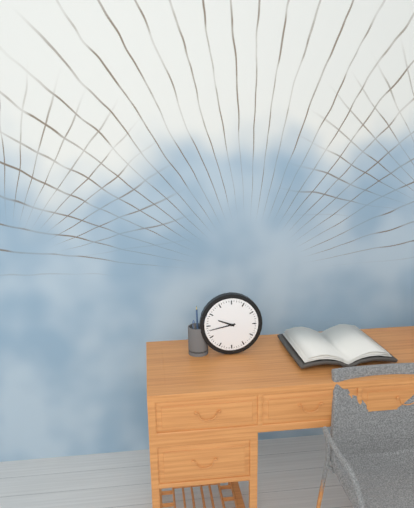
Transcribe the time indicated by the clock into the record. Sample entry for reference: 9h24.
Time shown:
9h43
